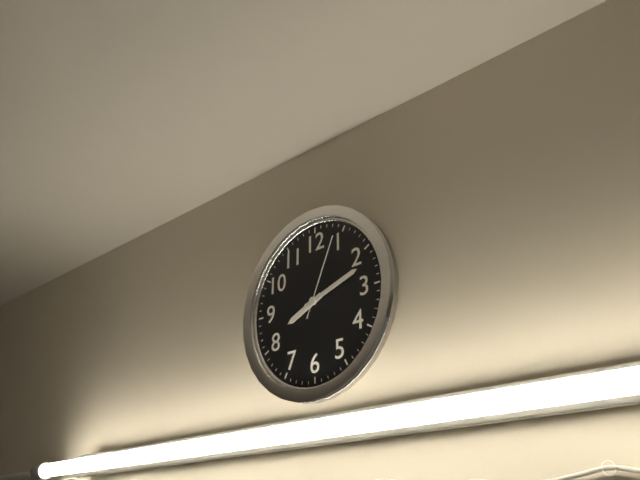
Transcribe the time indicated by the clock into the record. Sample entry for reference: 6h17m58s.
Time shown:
8h12m04s
